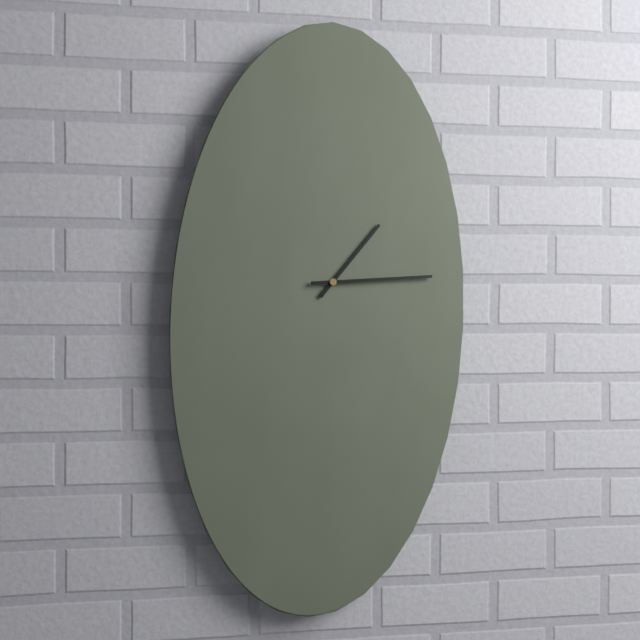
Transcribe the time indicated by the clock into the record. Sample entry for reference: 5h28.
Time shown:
1h14
